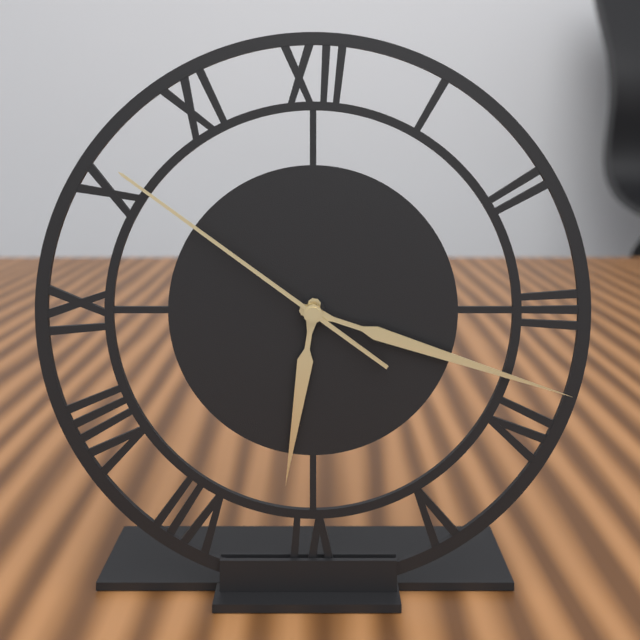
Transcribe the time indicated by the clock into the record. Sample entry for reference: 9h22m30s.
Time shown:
6h18m51s
